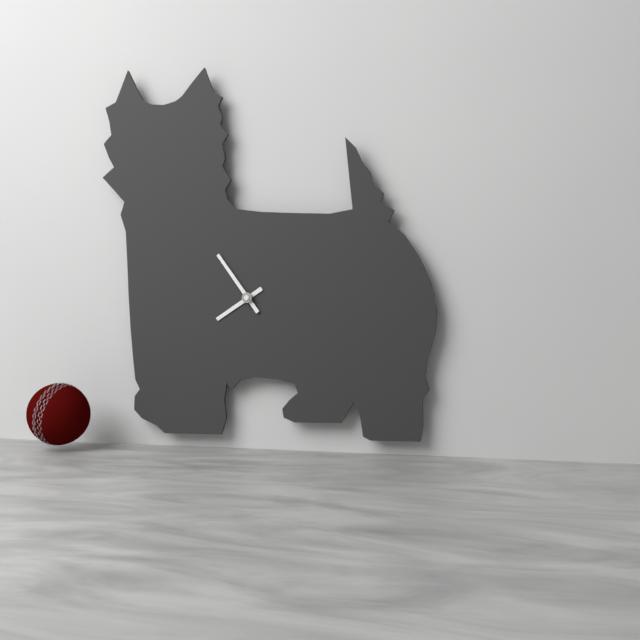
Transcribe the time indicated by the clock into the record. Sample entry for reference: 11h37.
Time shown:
7h54
